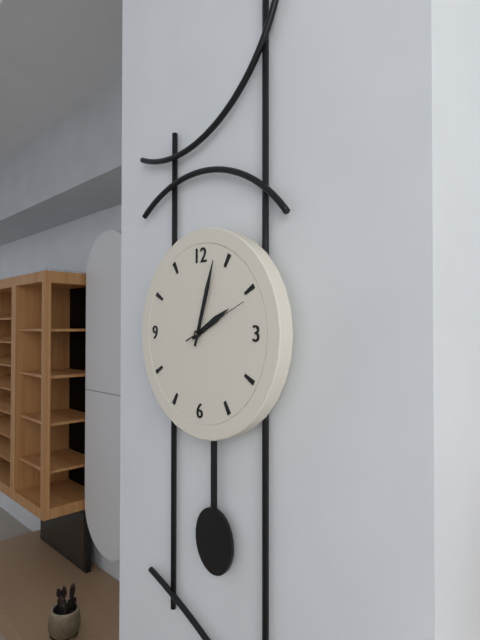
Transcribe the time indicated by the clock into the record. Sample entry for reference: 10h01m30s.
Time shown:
2h03m11s
